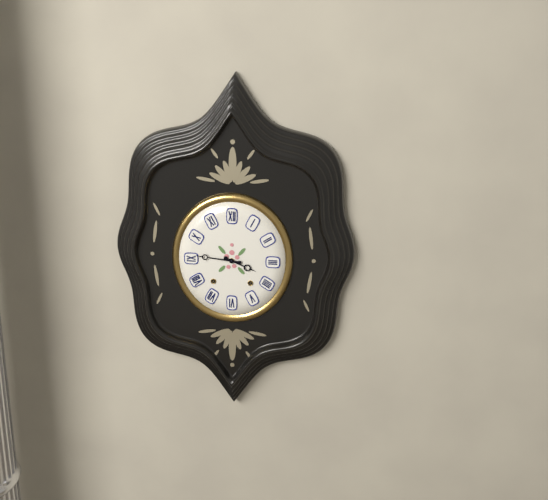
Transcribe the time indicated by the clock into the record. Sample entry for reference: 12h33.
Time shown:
3h46
